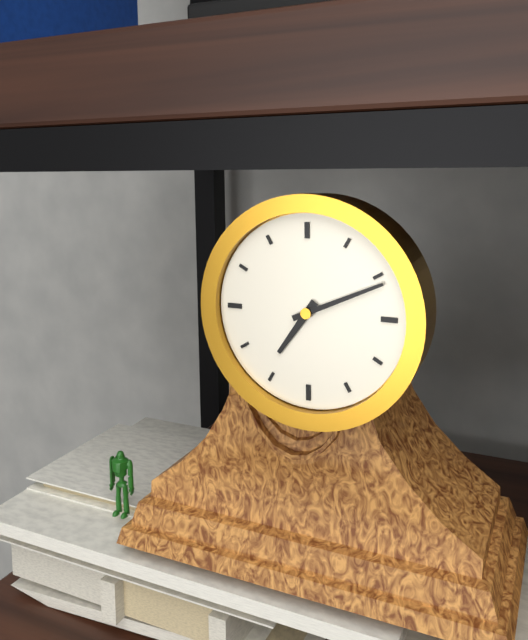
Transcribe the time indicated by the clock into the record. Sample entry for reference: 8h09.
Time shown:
7h11
